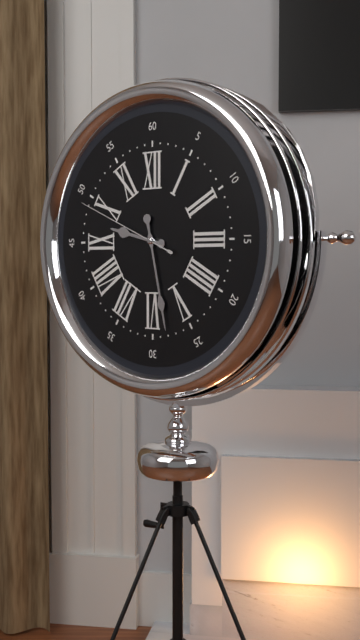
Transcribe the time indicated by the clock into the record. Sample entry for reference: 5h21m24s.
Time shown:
9h28m49s
